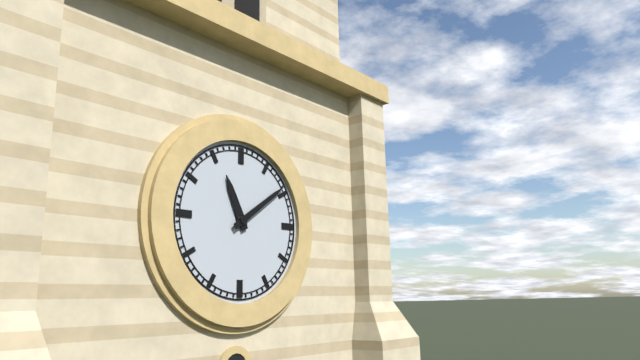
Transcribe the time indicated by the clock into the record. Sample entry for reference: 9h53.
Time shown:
11h09
